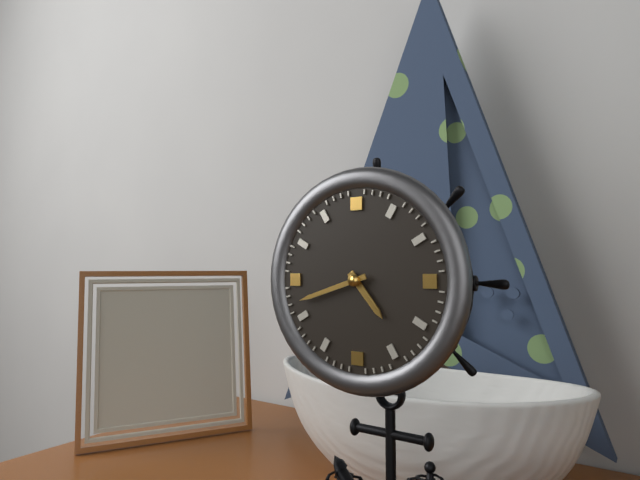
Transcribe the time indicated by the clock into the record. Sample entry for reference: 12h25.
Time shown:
4h42
